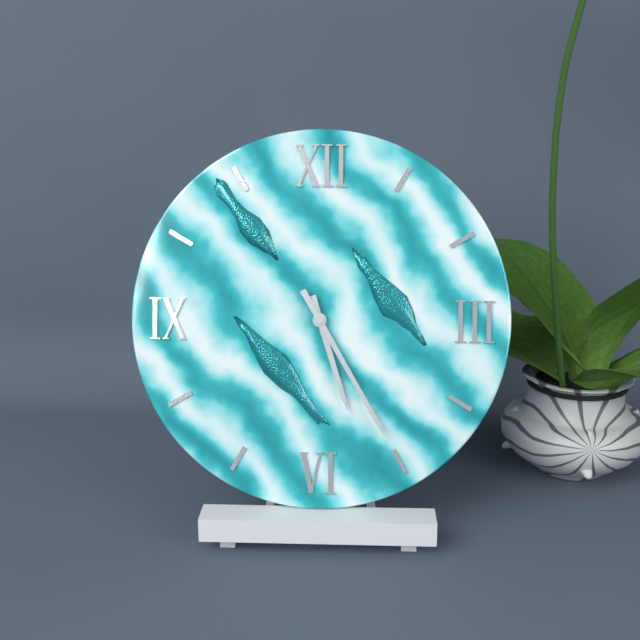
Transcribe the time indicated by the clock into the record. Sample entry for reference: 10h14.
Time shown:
5h25
